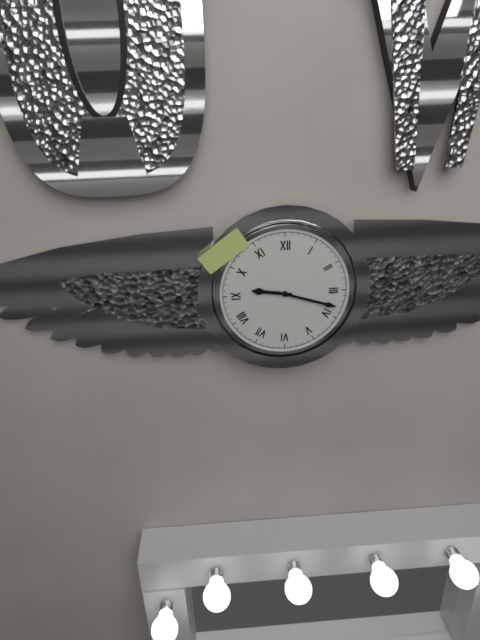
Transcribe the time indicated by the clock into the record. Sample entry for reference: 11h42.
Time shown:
9h18
